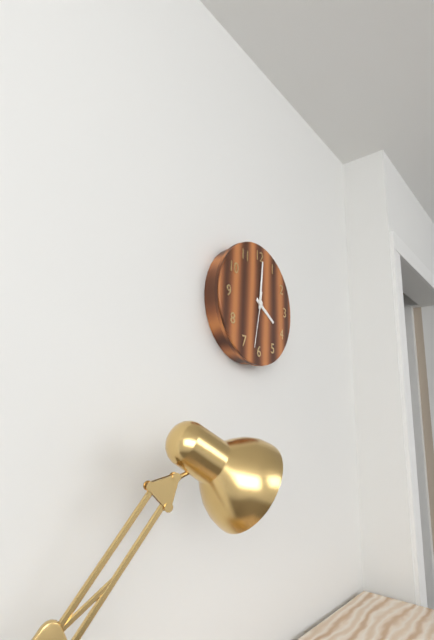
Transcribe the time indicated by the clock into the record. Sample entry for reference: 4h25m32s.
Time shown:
4h01m32s
